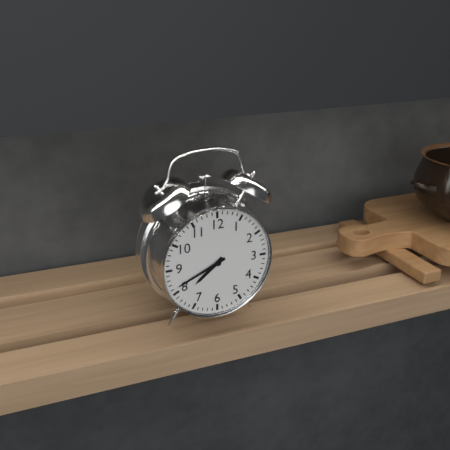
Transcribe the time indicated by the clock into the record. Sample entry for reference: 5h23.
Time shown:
7h41
